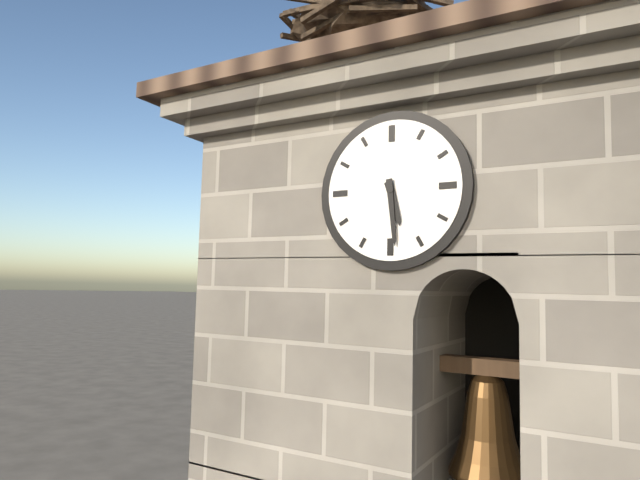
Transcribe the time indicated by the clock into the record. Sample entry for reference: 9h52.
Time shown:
5h29
